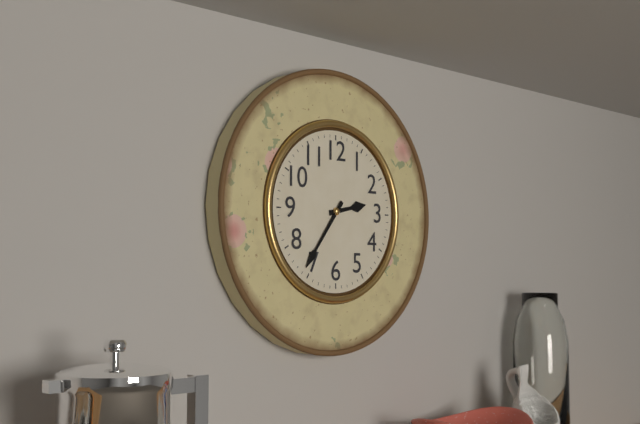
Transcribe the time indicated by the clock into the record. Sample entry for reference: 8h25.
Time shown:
2h36
